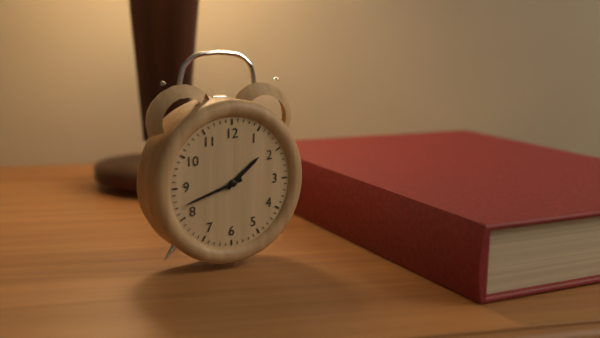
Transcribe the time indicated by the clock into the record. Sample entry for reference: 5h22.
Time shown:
1h42
